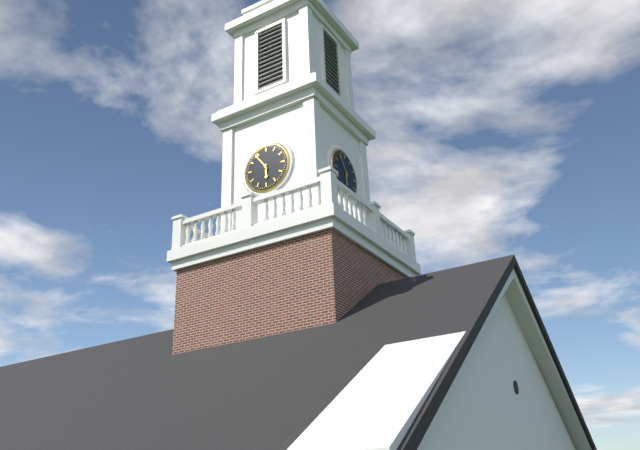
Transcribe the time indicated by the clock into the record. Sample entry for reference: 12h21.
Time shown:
5h54
